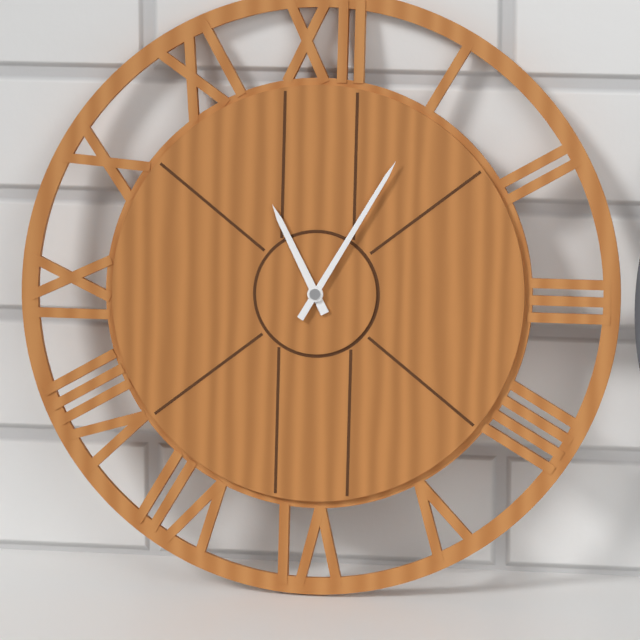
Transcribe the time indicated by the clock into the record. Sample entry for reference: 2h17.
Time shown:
11h05
